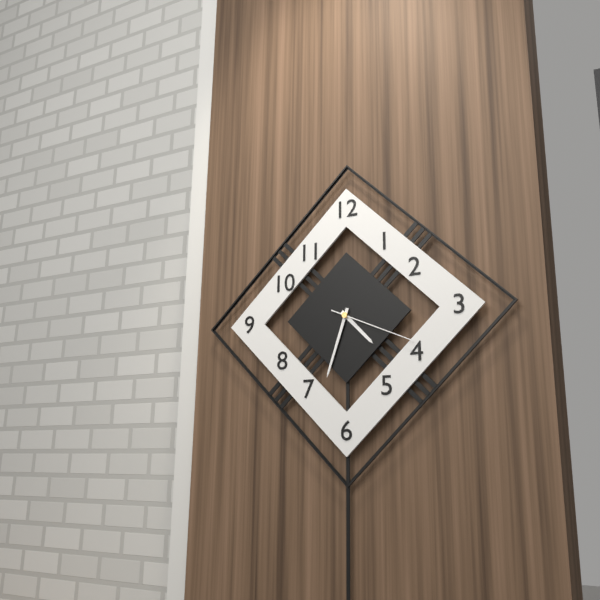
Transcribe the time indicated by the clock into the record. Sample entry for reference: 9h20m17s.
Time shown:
4h33m19s
